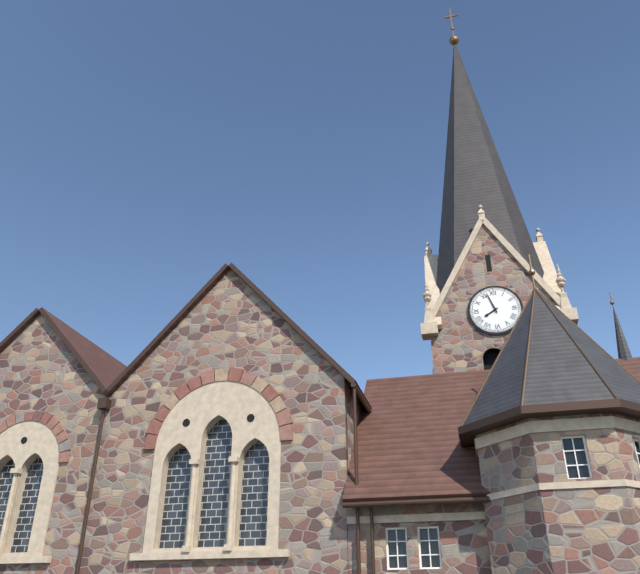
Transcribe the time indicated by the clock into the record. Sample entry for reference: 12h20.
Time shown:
7h57
